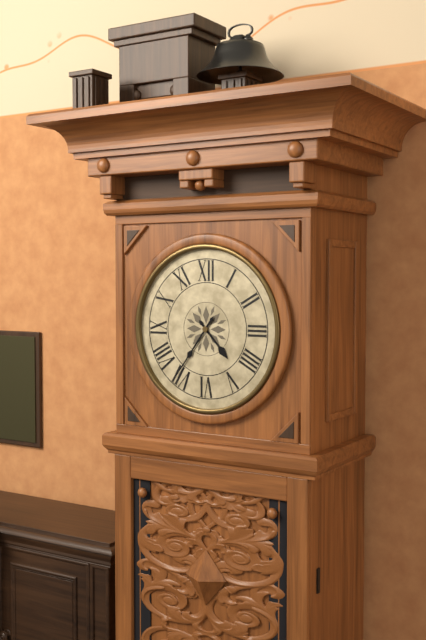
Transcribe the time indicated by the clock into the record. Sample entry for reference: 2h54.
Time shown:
4h36
